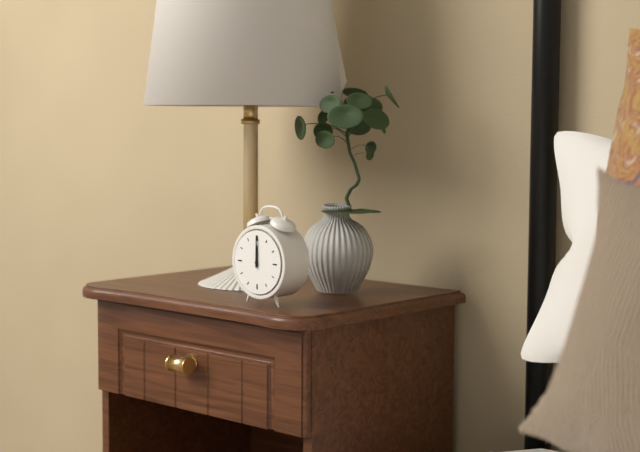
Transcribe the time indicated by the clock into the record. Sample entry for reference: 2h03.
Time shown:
12h00
